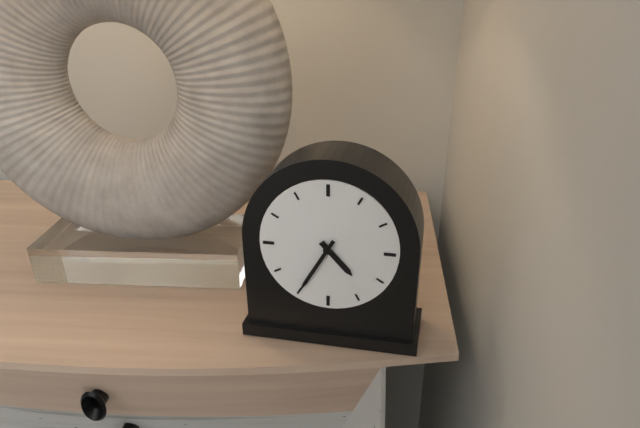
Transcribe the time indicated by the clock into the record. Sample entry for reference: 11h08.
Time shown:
4h35
